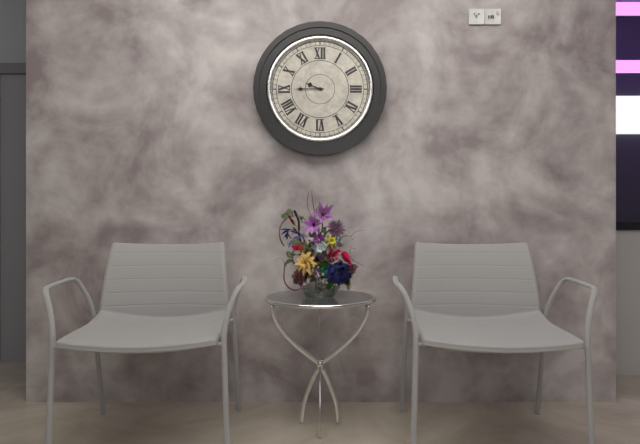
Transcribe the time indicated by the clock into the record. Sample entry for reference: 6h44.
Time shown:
9h45
